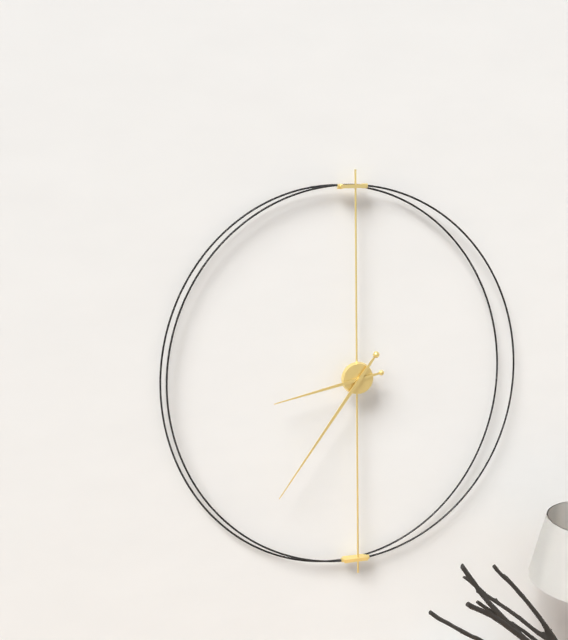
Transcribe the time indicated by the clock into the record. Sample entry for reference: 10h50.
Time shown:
8h36
